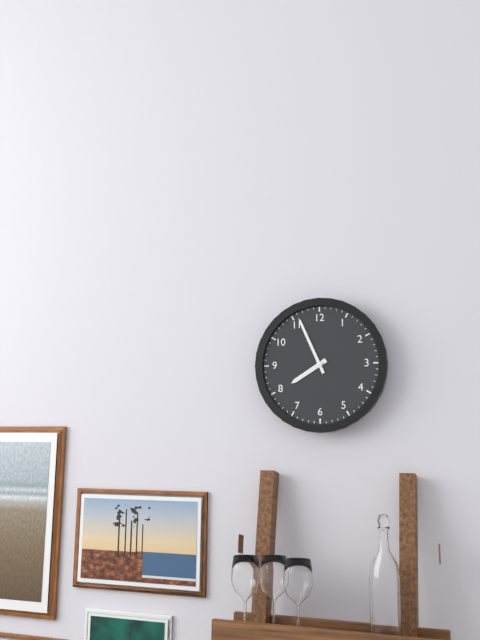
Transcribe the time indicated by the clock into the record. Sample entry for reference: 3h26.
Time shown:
7h56
